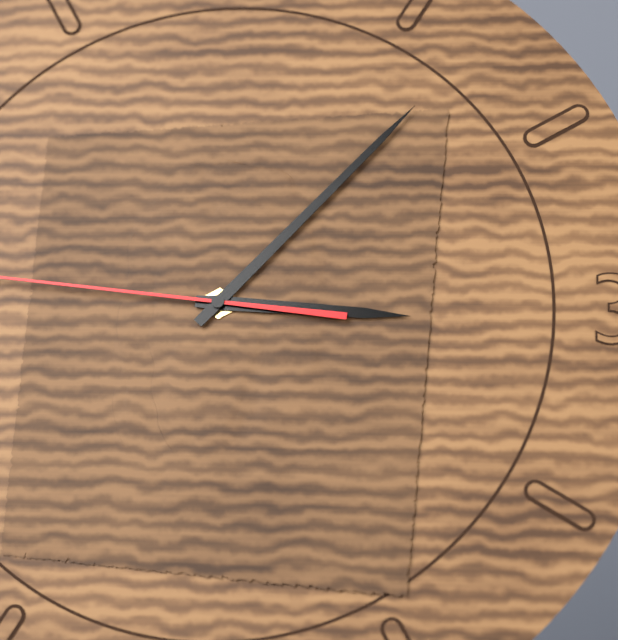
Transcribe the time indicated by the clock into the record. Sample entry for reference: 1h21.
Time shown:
3h07
